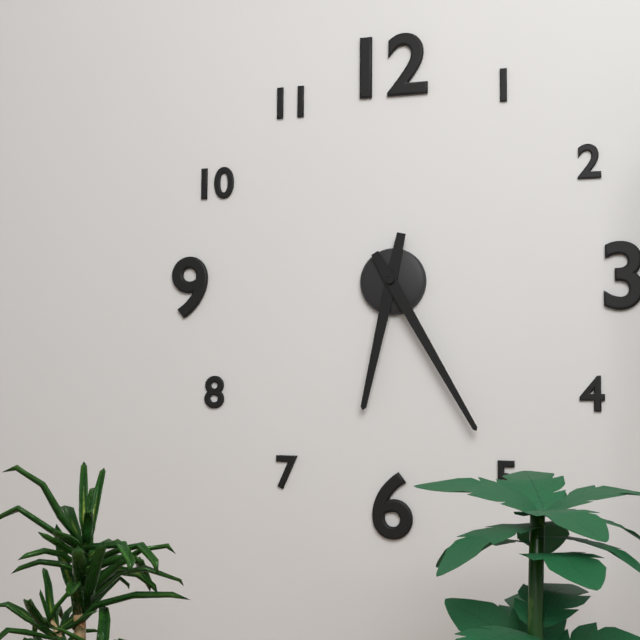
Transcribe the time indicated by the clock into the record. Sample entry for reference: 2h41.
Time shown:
6h25
